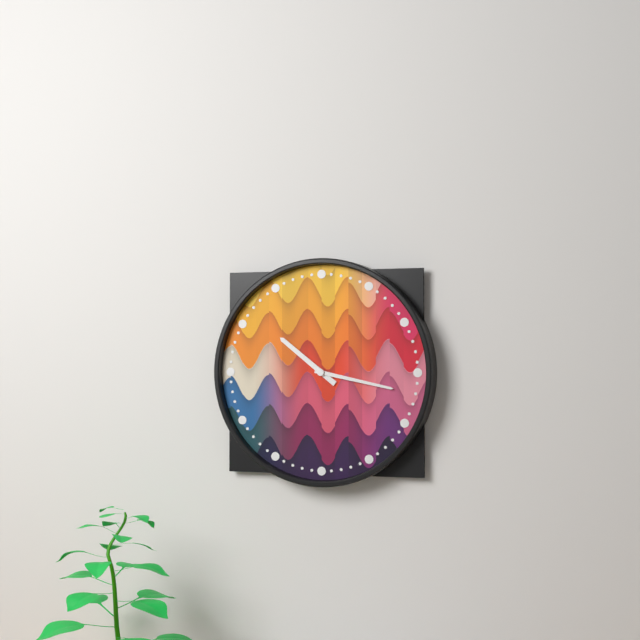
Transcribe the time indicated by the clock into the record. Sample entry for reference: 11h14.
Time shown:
10h17
